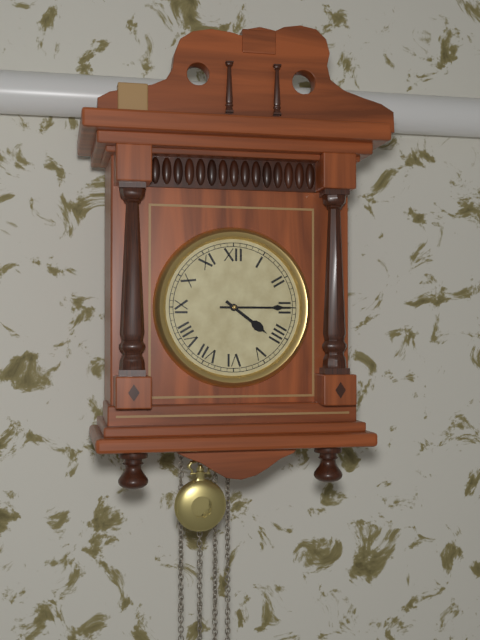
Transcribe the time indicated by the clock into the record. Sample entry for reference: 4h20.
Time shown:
4h15
